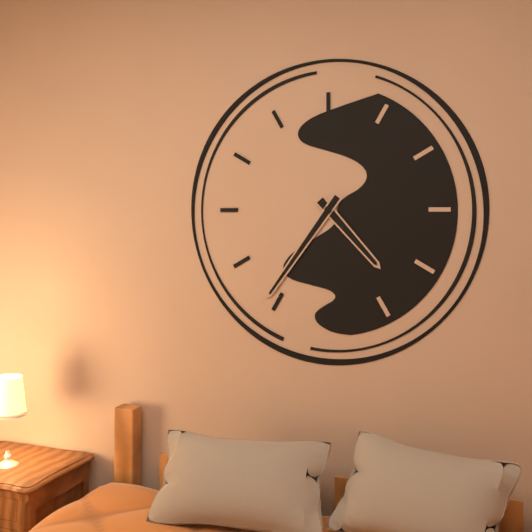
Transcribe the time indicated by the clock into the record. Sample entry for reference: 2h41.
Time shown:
4h36
